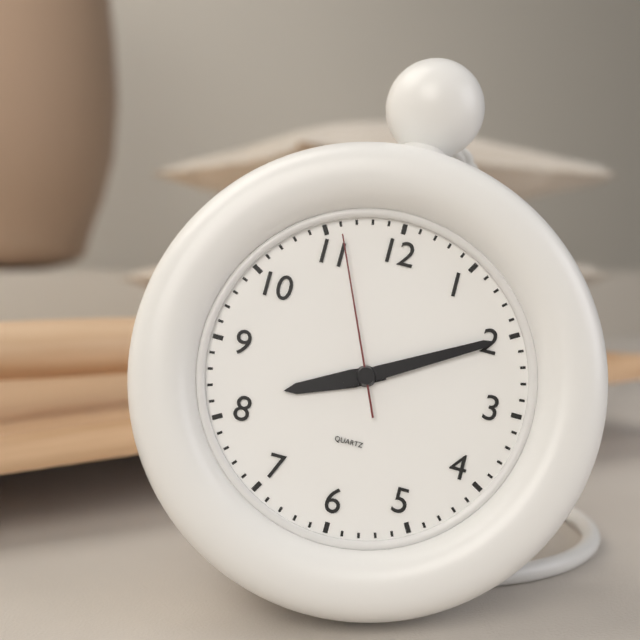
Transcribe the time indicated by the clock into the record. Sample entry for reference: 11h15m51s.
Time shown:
8h10m56s
